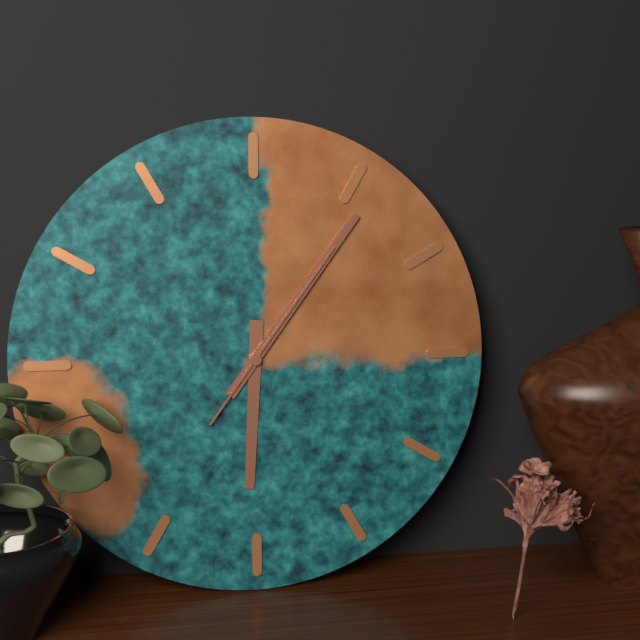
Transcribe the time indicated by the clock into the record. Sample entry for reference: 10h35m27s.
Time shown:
6h06m06s
